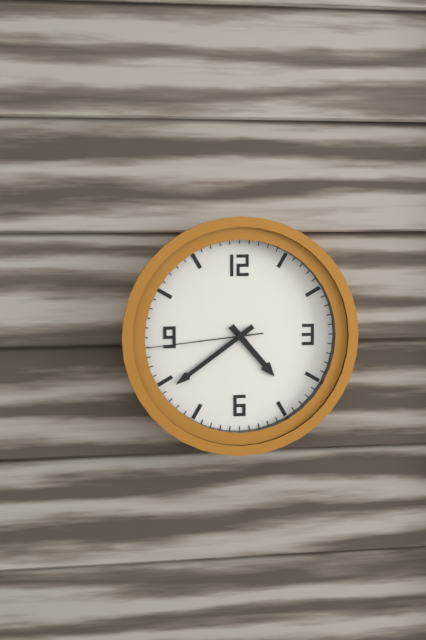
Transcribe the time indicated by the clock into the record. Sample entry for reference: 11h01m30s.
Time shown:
4h39m44s
